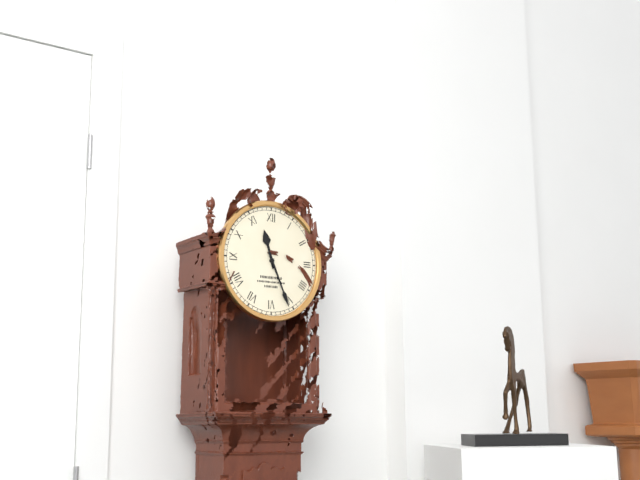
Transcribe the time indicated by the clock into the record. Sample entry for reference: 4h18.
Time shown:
11h26
